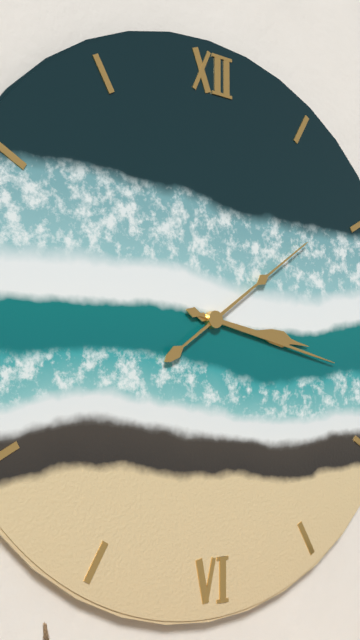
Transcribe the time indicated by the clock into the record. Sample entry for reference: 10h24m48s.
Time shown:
3h17m09s
